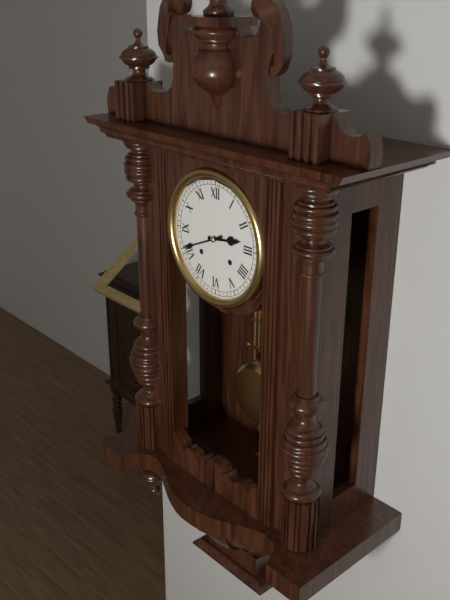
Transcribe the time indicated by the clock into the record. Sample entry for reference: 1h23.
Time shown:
2h41
